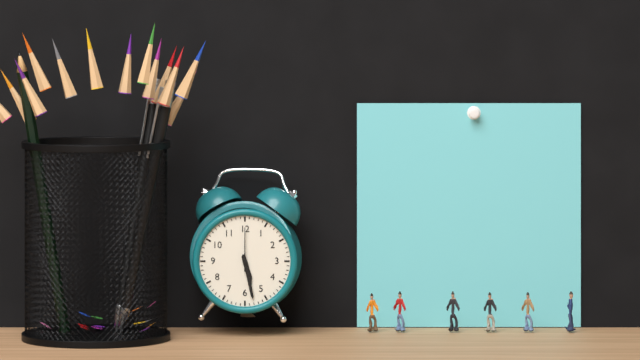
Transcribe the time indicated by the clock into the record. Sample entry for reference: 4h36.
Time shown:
5h28
